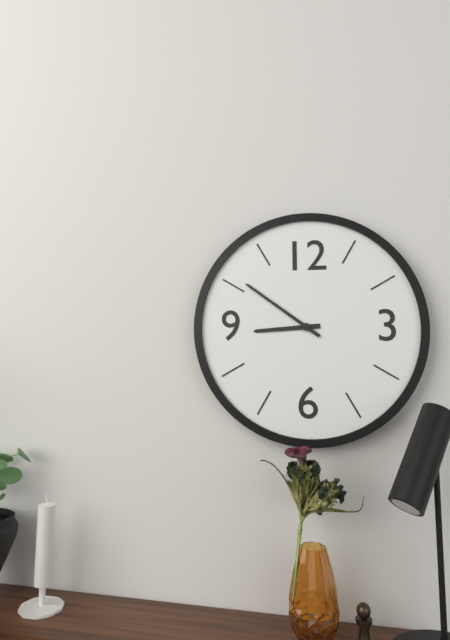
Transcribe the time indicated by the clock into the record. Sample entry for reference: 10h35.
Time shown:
8h51
